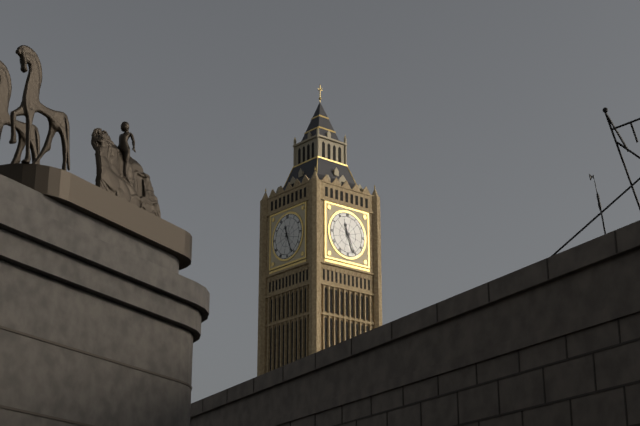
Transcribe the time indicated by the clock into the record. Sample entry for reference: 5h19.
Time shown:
11h26
